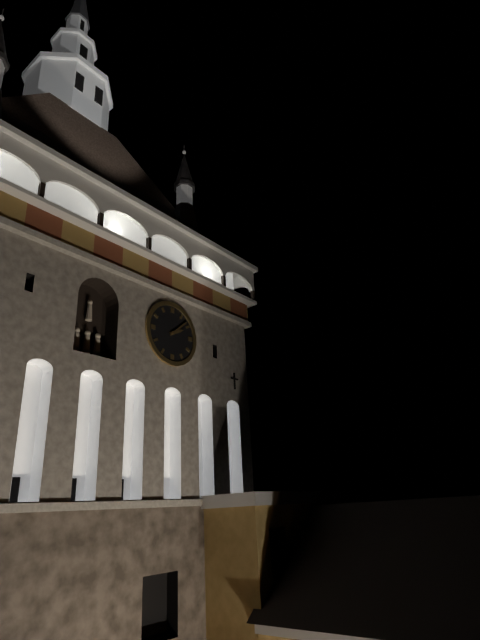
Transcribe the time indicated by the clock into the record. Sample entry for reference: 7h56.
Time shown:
2h08
